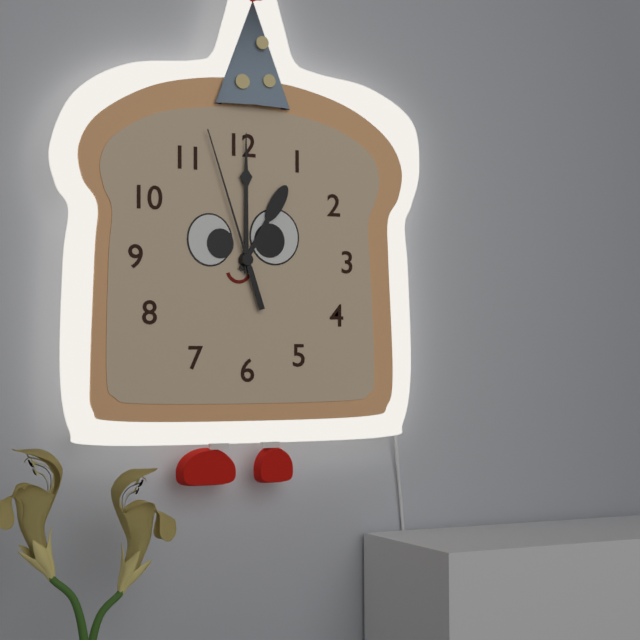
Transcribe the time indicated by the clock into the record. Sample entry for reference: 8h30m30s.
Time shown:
1h00m57s
